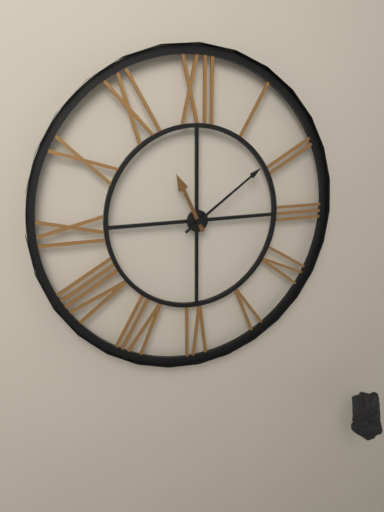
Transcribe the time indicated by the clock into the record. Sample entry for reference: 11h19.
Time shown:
11h09
